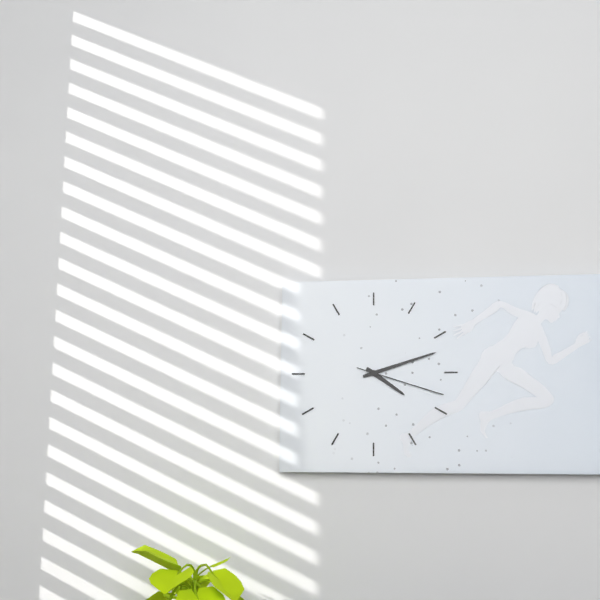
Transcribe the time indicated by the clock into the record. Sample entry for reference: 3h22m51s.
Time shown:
4h12m18s
